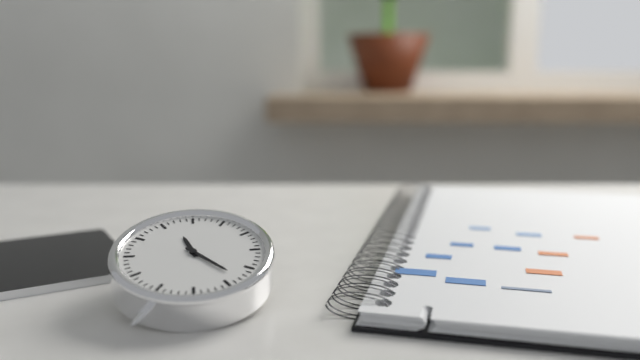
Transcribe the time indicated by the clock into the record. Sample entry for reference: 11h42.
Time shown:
11h23
